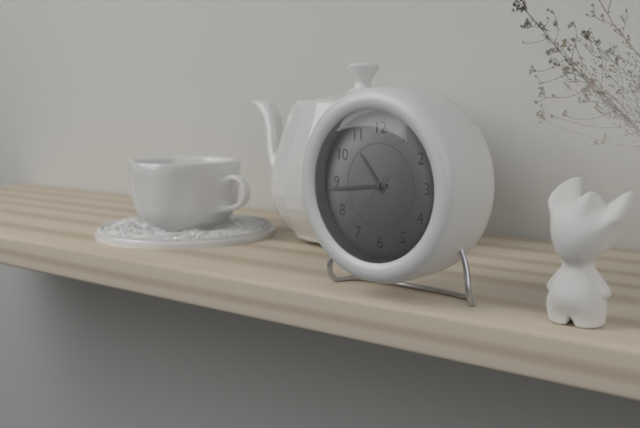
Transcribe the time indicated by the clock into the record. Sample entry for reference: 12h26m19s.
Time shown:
10h44m37s
